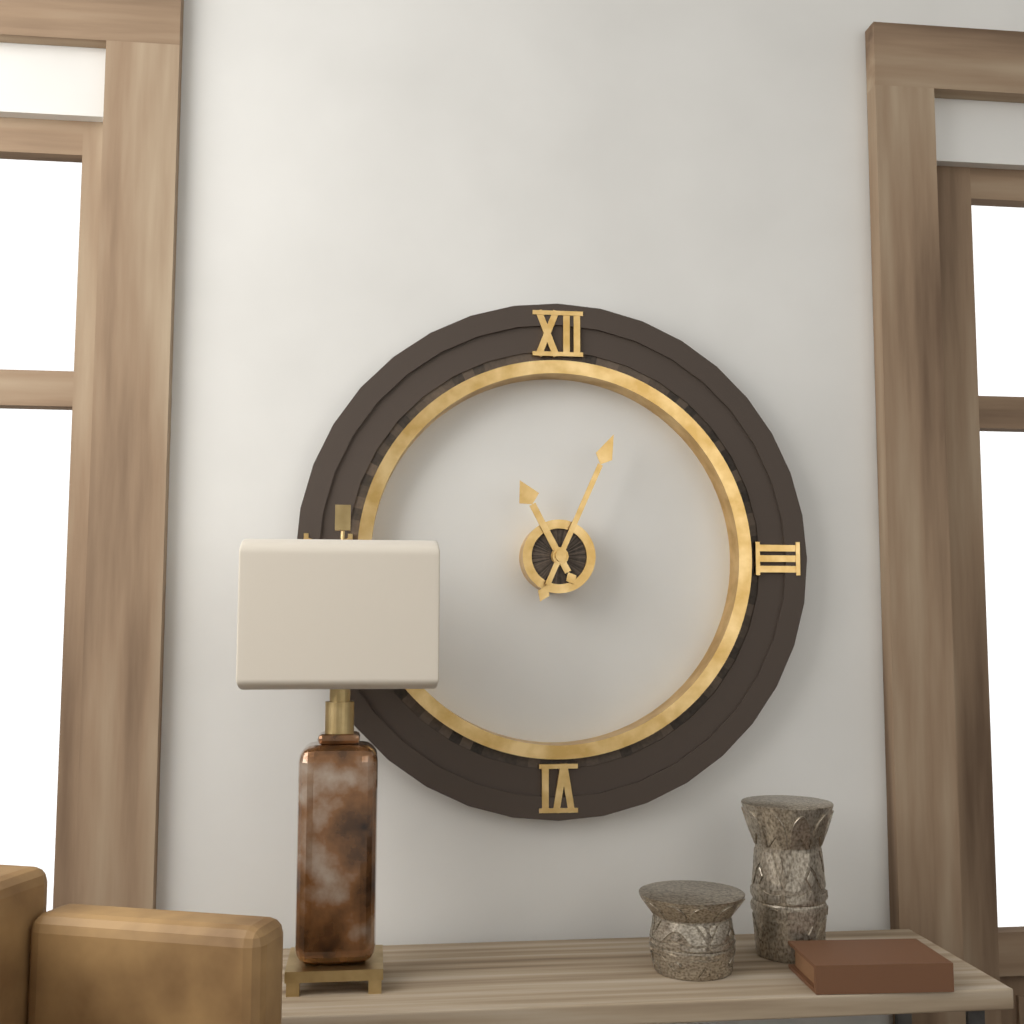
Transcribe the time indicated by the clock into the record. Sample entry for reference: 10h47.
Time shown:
11h04
